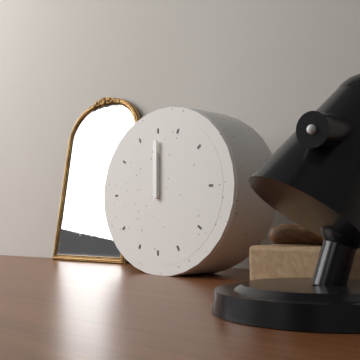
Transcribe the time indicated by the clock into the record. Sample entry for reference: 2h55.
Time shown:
12h00
